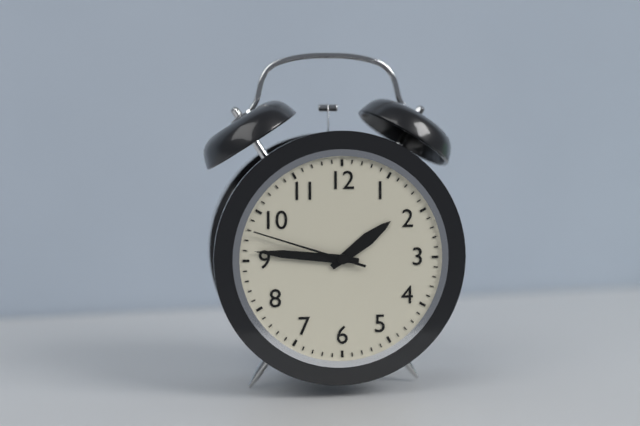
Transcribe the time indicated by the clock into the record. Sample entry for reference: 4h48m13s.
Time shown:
1h46m48s
